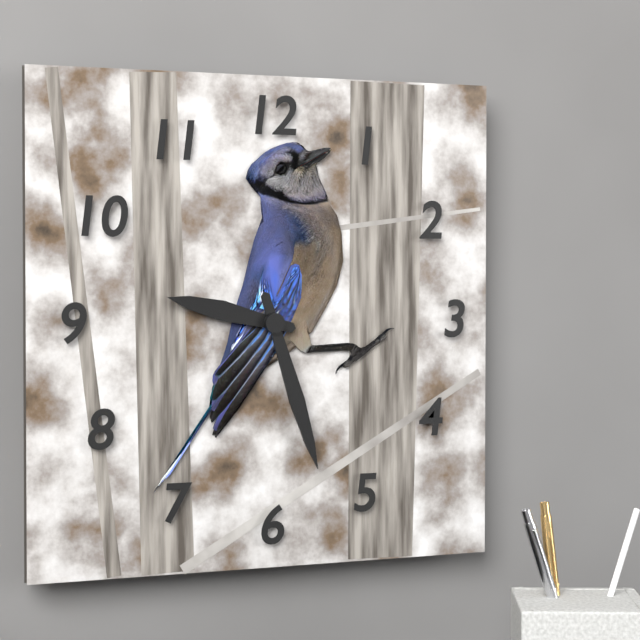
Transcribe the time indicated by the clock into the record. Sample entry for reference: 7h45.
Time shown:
9h27
